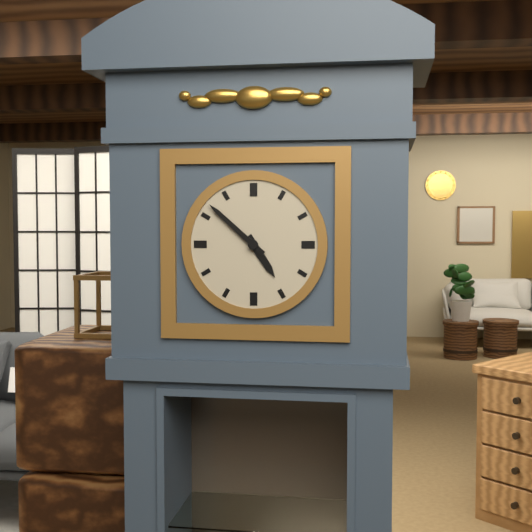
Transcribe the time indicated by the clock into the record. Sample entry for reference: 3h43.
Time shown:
4h52
